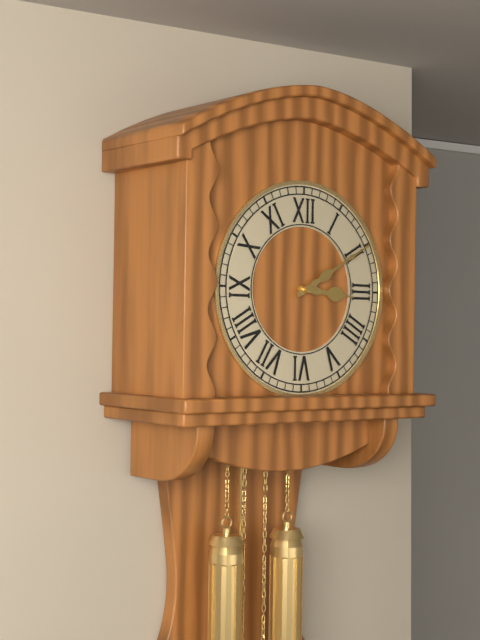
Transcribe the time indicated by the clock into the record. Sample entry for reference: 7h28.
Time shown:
3h10
